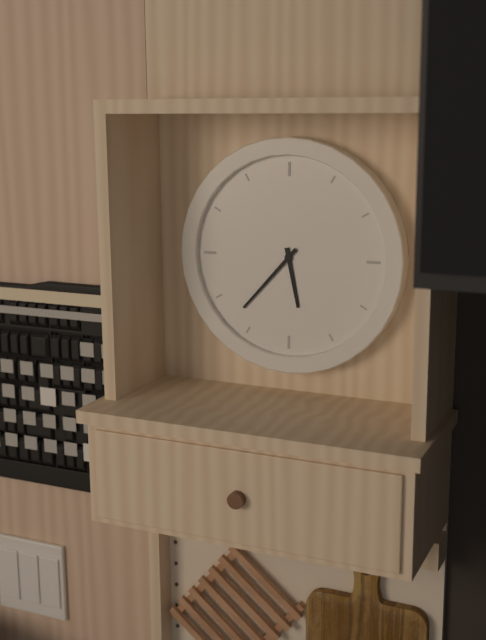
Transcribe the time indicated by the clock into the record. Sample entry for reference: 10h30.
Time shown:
5h37
